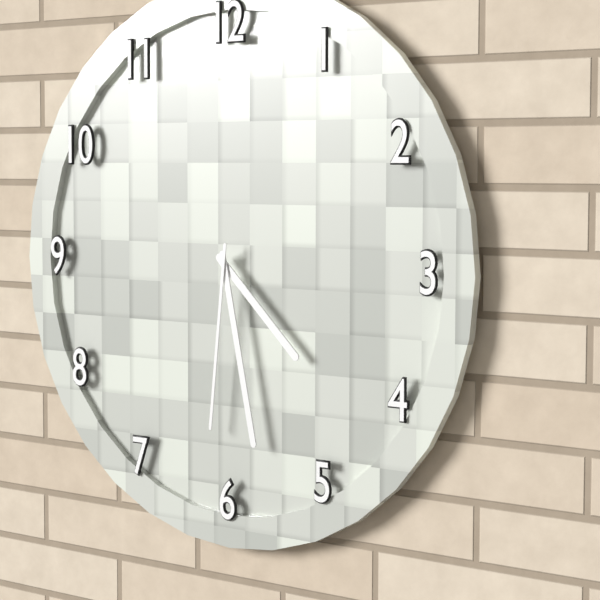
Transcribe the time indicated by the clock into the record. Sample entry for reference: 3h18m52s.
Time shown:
4h28m31s
